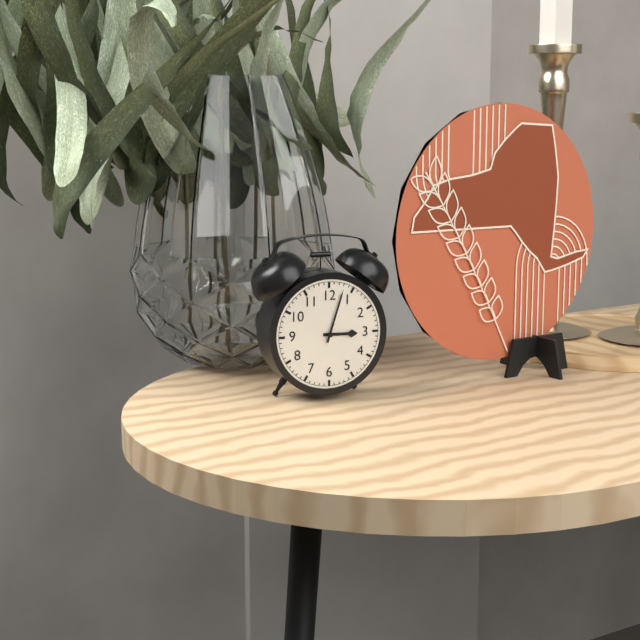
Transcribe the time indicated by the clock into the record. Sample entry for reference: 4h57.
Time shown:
3h03
